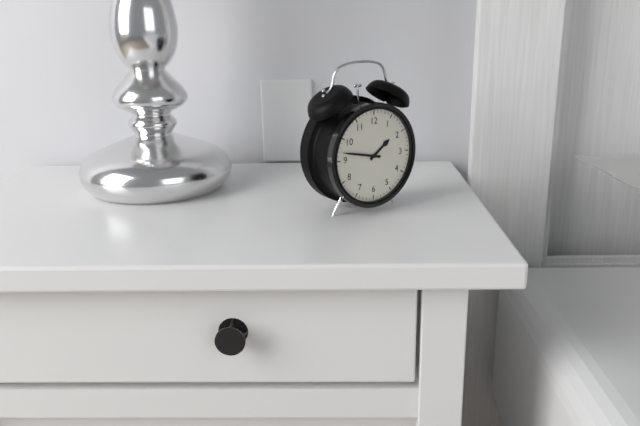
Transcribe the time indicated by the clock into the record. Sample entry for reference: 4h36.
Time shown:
1h47
